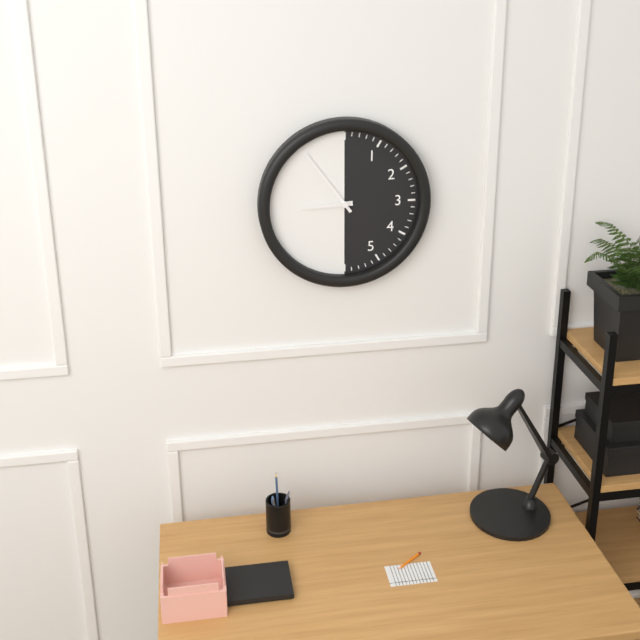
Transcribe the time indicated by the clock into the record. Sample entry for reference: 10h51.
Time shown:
8h54
